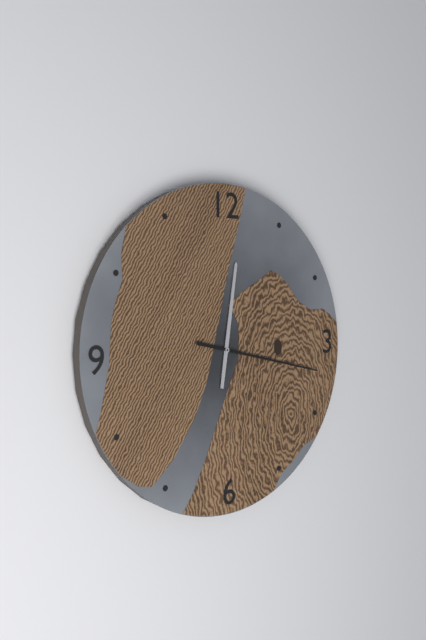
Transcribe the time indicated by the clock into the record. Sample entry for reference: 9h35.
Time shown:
12h17
